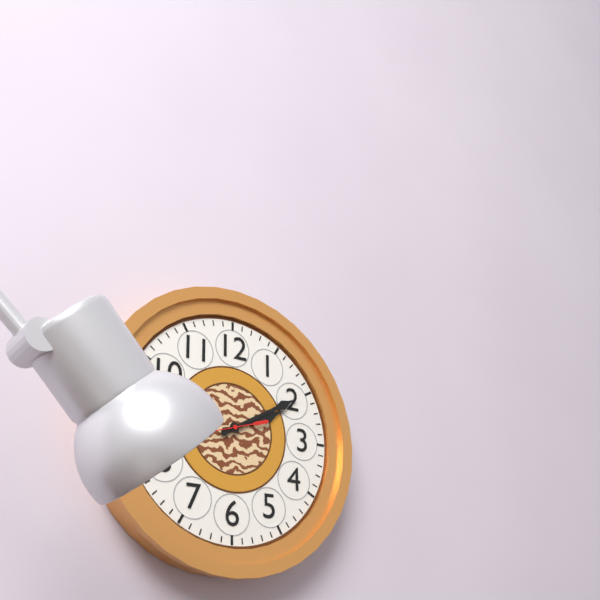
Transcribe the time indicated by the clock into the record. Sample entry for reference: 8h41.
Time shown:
2h10
